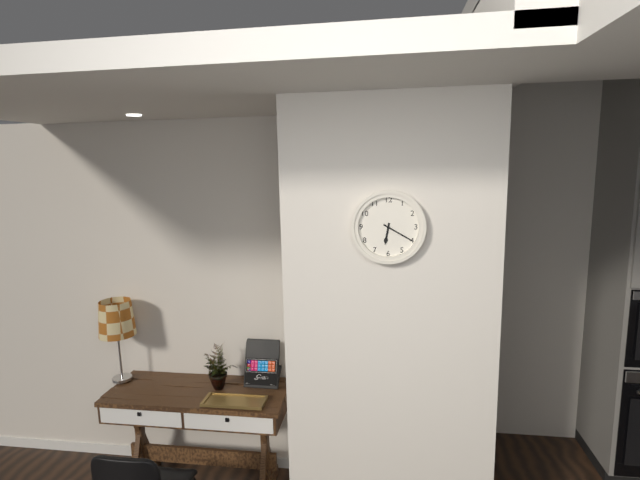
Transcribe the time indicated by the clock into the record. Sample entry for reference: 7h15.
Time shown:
6h20
